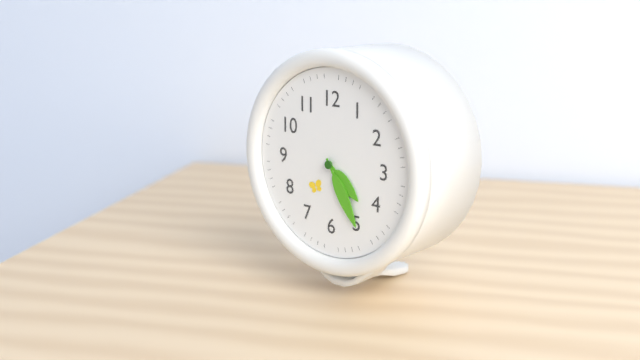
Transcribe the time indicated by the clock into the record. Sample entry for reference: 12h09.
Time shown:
4h25
